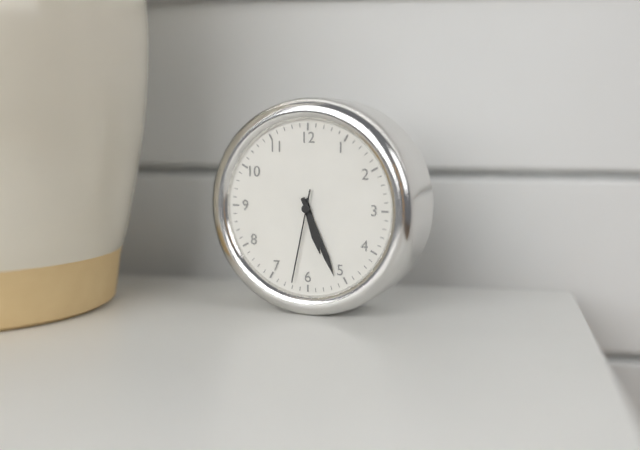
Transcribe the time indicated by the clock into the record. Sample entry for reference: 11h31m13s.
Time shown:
5h26m32s
